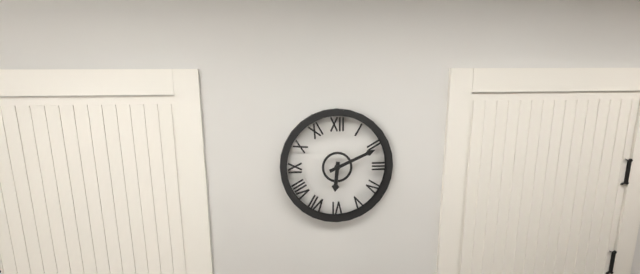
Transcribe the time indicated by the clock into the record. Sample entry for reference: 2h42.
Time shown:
6h11
